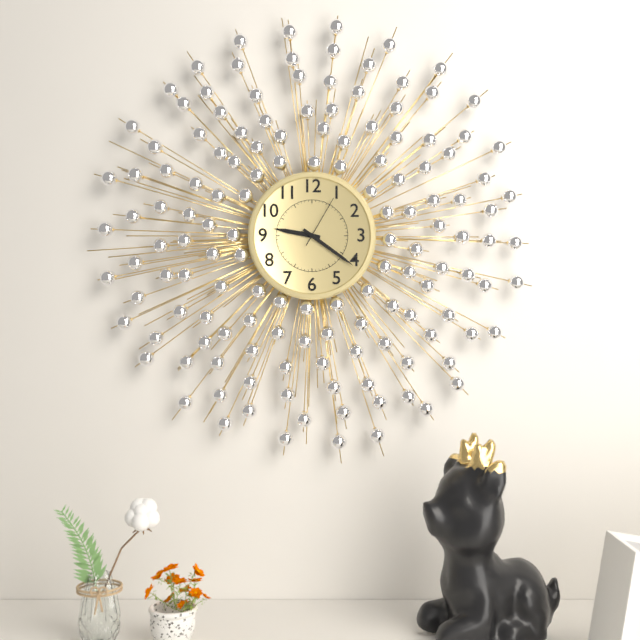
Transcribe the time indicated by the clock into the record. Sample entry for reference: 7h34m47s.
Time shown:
9h21m05s
